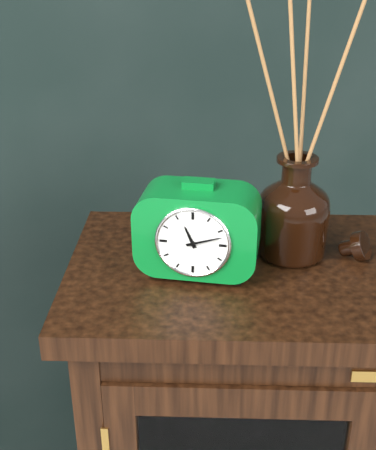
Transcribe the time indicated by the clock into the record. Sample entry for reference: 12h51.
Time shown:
11h12
